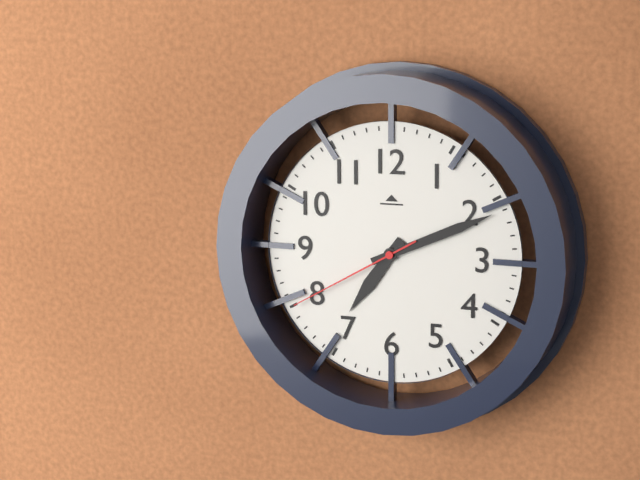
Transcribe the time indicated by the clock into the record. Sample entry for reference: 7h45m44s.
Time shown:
7h11m40s
